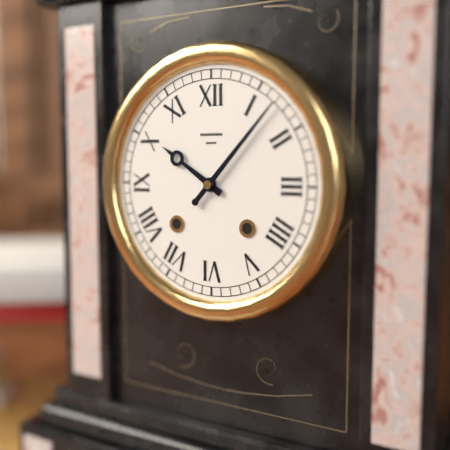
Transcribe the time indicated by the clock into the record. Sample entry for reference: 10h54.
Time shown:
10h07
